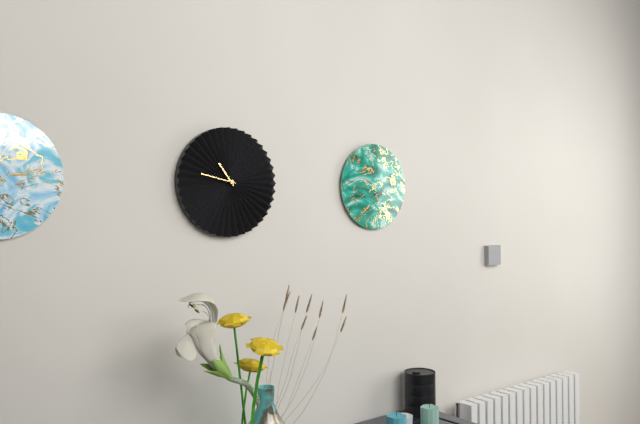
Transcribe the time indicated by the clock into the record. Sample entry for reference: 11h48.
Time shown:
10h47
